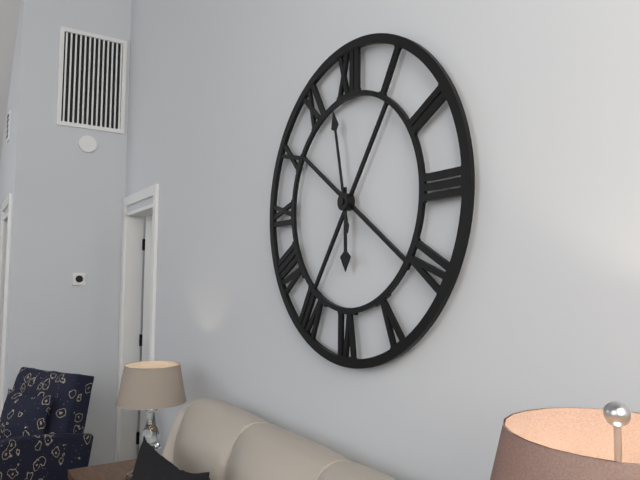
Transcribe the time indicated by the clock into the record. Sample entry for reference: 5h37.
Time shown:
5h58
